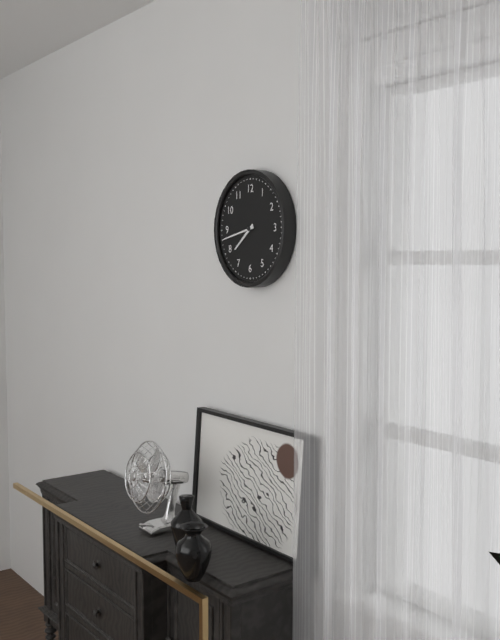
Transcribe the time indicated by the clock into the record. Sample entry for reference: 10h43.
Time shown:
7h43
